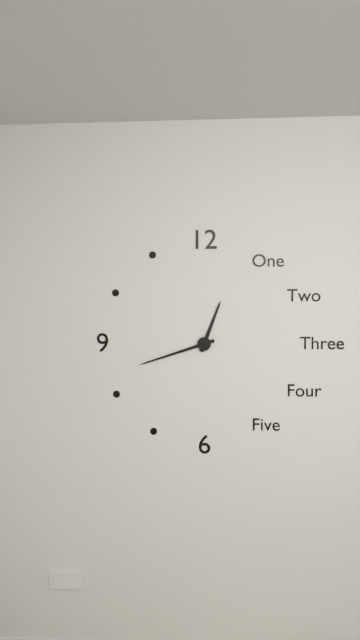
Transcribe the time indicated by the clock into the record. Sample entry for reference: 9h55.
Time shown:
12h42
